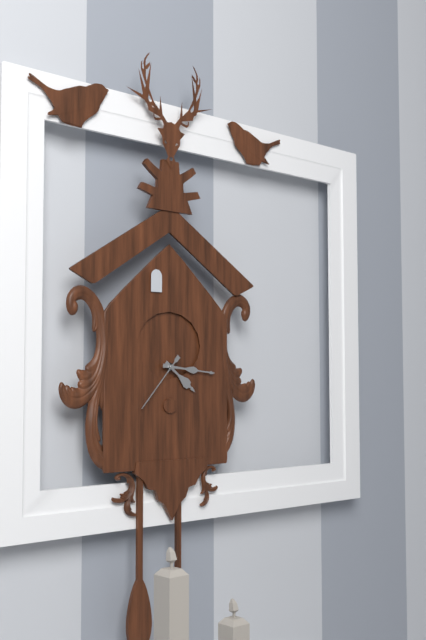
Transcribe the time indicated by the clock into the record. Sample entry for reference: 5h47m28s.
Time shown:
4h16m37s
